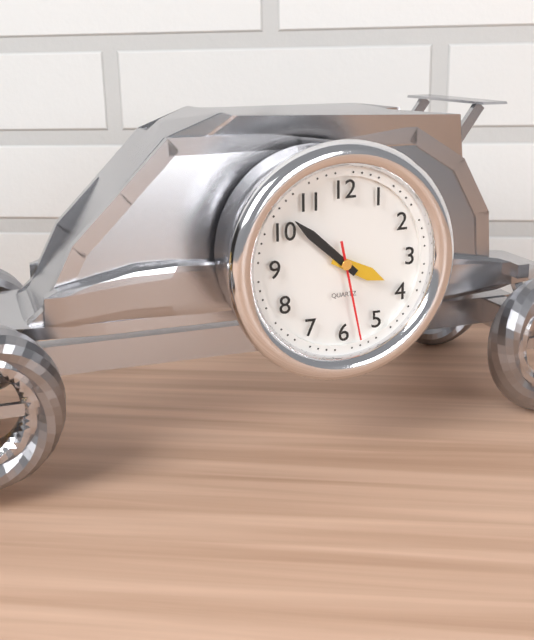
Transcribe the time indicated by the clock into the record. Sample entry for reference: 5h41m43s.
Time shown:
3h52m28s
